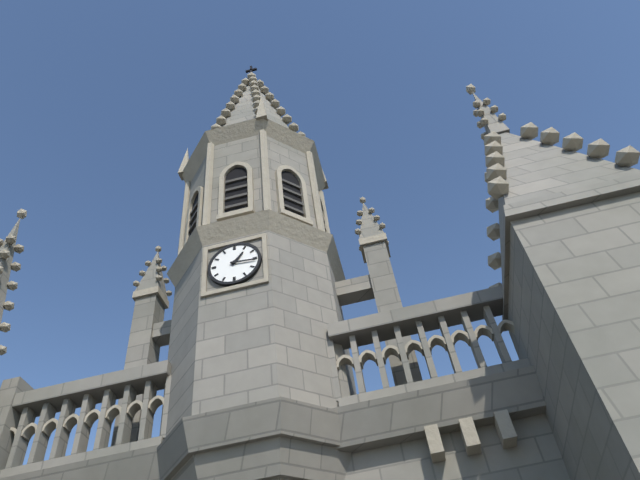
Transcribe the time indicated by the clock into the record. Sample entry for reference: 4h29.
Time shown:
1h16
